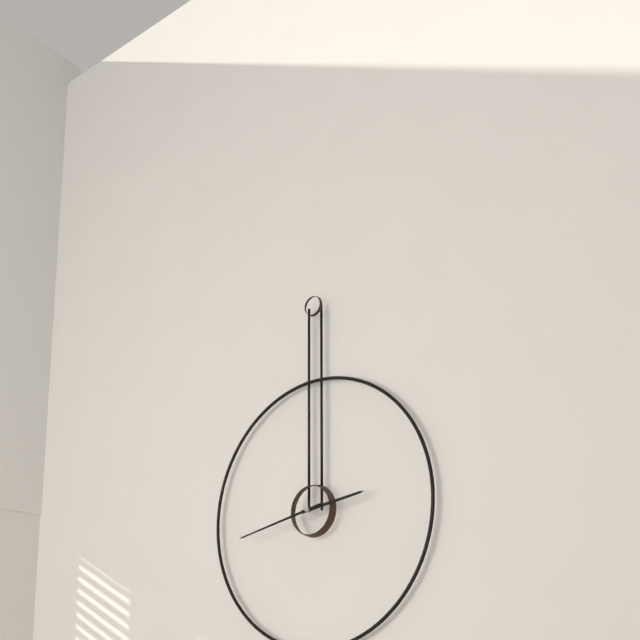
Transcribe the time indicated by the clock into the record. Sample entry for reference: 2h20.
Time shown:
2h43
